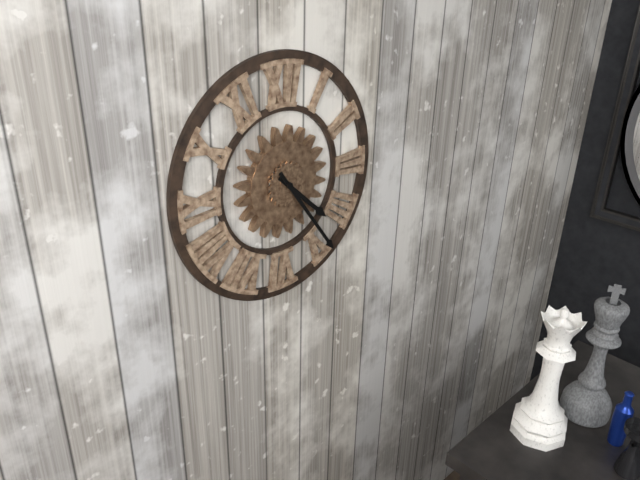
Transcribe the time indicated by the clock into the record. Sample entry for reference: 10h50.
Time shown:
4h24
